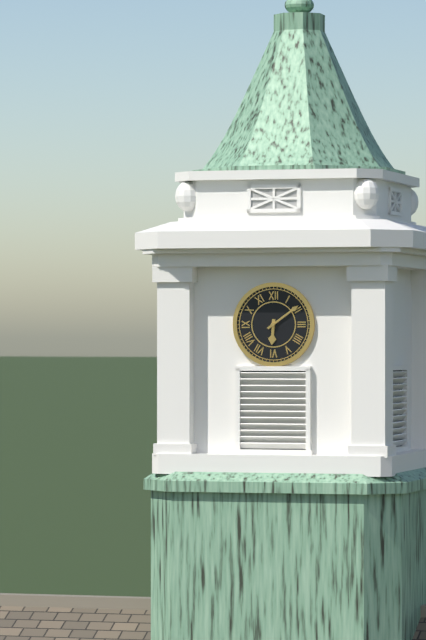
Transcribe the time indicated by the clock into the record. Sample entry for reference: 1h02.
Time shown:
6h09
